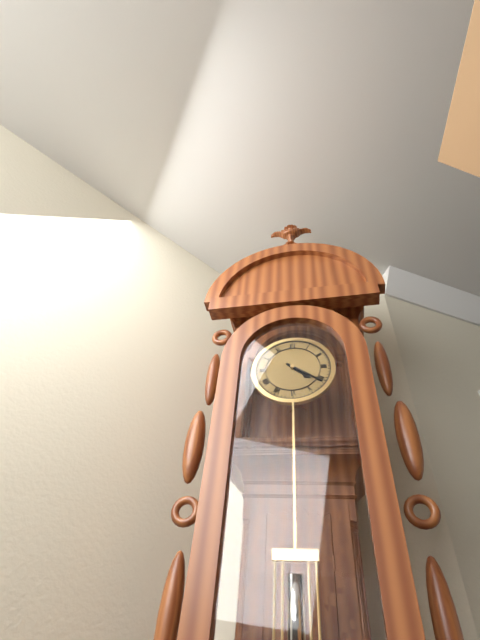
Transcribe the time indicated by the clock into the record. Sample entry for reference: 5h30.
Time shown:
4h21
